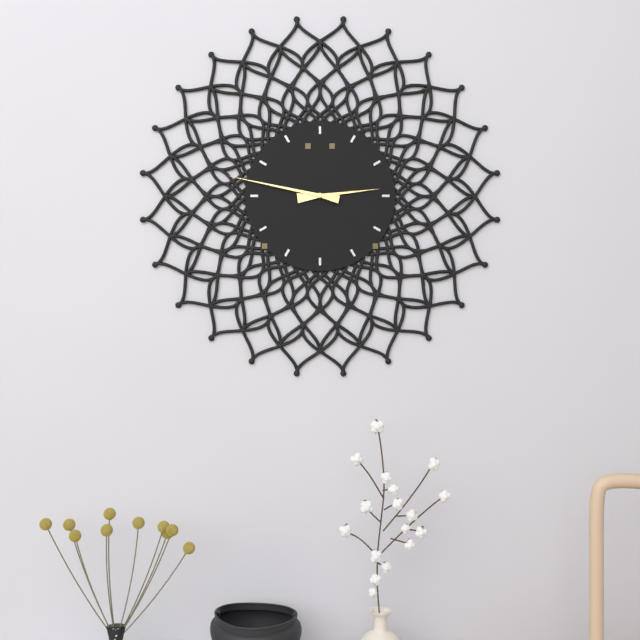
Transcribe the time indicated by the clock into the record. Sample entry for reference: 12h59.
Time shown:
2h47
